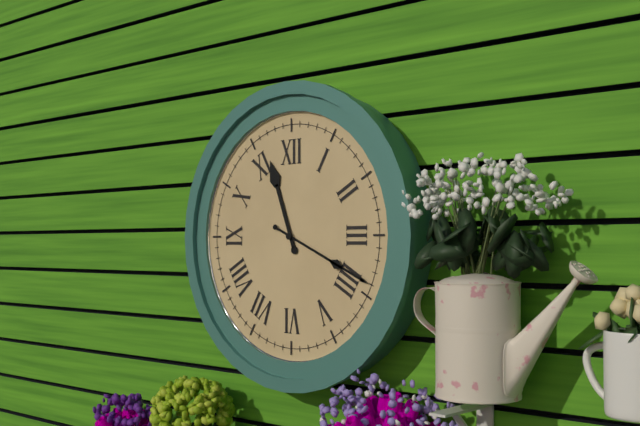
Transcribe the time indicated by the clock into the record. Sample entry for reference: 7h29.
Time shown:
11h19
